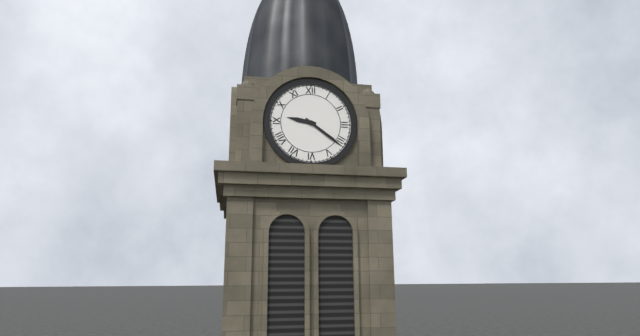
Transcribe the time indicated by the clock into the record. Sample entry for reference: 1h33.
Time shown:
9h21
